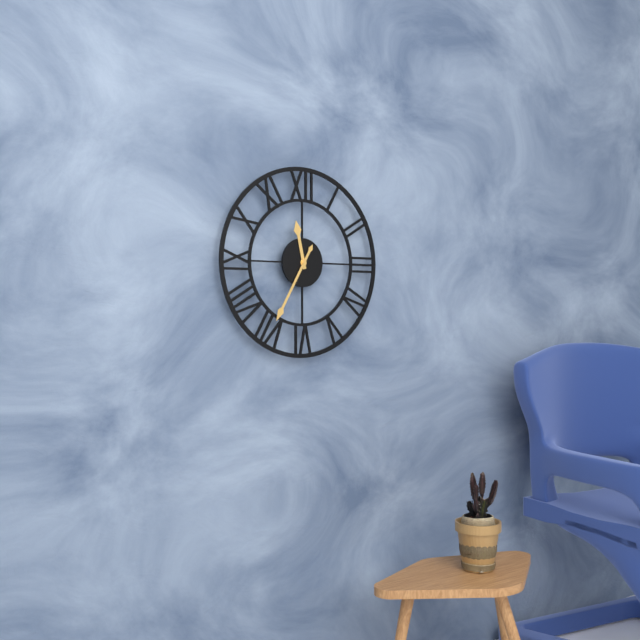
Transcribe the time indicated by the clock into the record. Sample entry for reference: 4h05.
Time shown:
11h35
